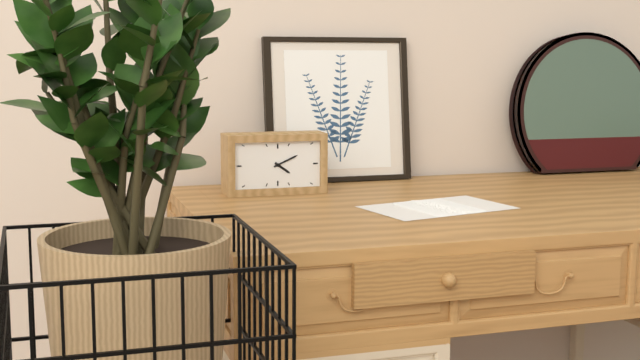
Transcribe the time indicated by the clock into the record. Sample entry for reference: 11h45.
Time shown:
4h11
